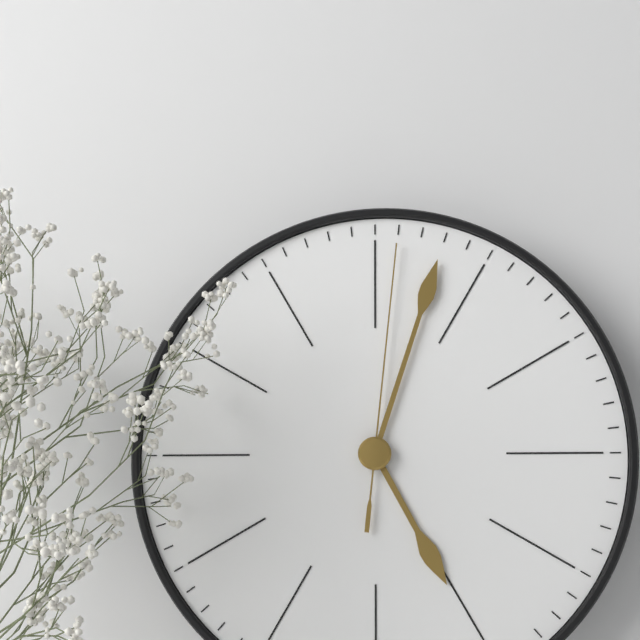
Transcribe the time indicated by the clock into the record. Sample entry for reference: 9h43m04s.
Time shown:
5h03m01s
